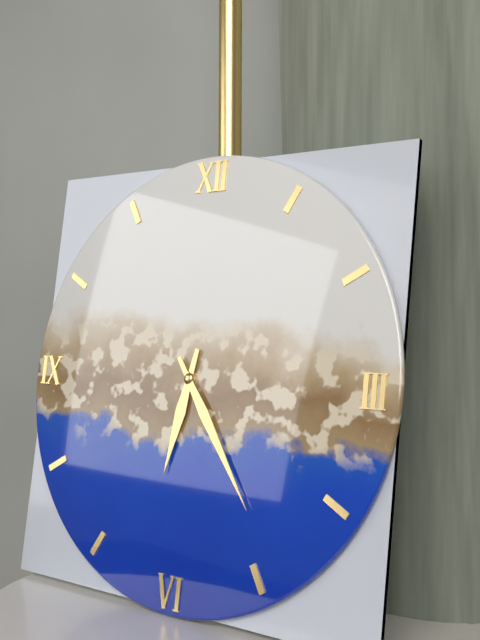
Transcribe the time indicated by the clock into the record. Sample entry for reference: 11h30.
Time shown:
6h24
